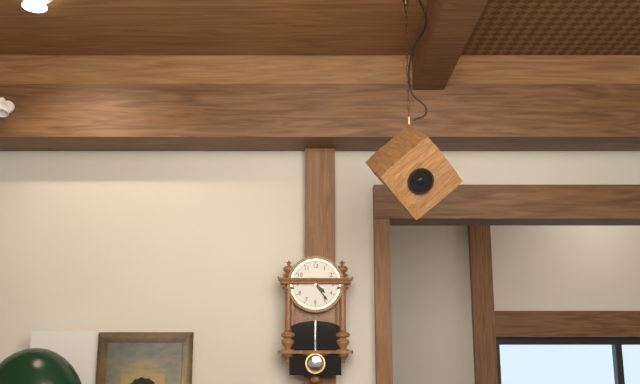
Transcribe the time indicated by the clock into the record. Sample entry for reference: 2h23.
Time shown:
4h24
